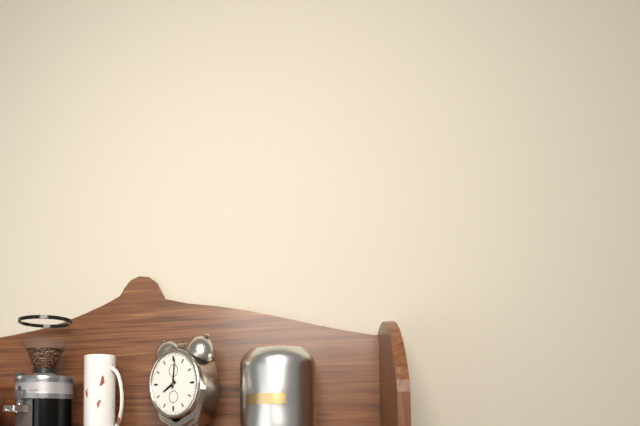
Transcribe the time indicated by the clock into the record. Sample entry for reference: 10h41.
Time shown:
8h01
